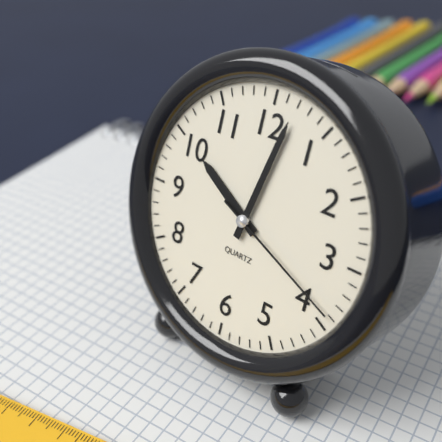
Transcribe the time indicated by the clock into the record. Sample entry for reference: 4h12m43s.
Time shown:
10h02m19s
